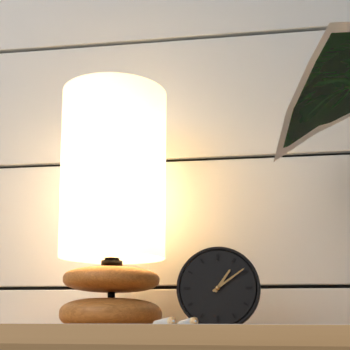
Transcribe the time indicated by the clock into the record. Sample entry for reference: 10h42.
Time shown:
1h09
